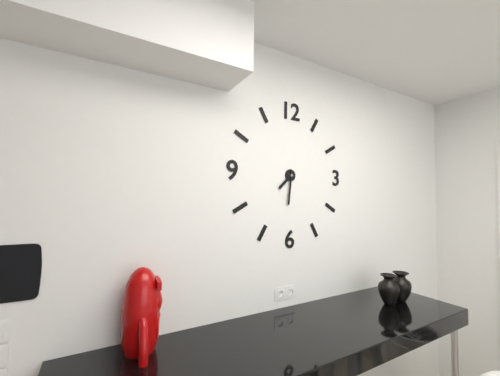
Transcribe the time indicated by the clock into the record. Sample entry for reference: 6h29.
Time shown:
7h31
